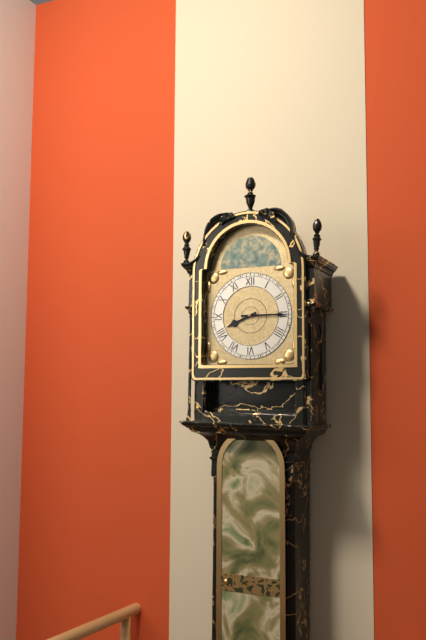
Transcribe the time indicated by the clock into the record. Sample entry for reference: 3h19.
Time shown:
8h15
